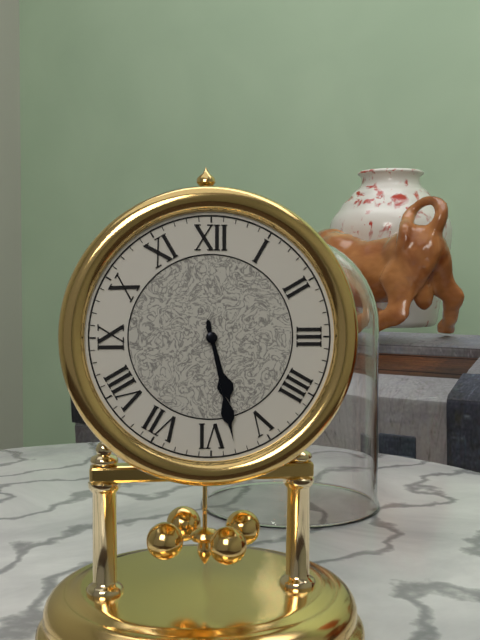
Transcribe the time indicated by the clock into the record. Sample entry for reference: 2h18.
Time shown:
5h28
